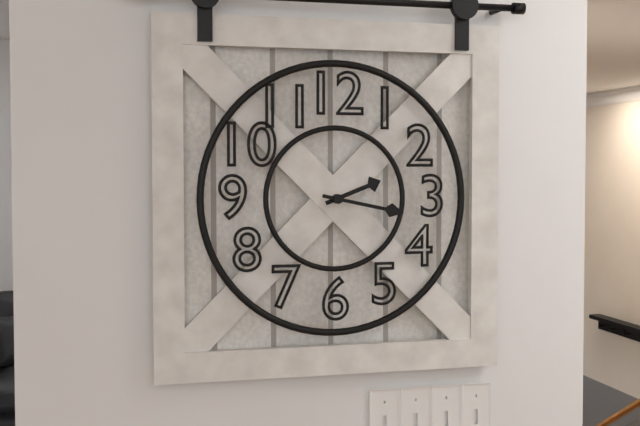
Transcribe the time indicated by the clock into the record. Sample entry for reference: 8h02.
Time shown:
2h17
